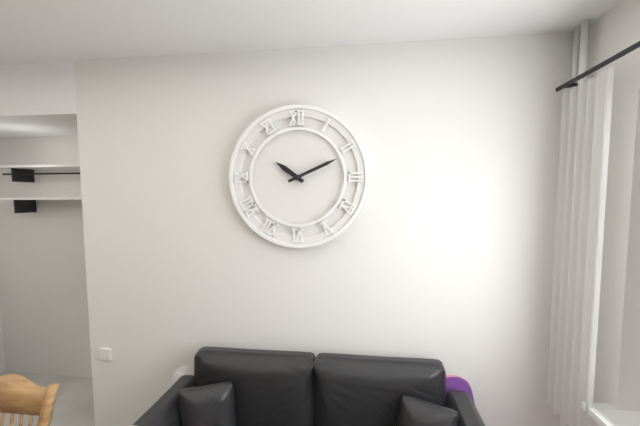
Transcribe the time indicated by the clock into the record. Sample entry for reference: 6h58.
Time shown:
10h11
